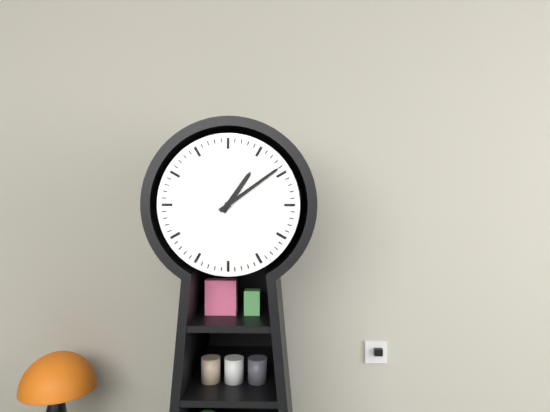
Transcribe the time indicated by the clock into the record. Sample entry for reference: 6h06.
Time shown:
1h09
